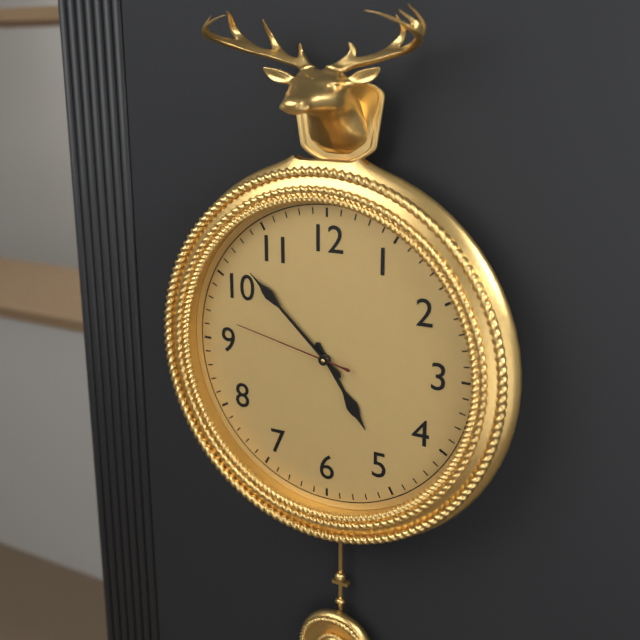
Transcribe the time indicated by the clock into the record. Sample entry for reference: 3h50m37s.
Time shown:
4h52m47s
